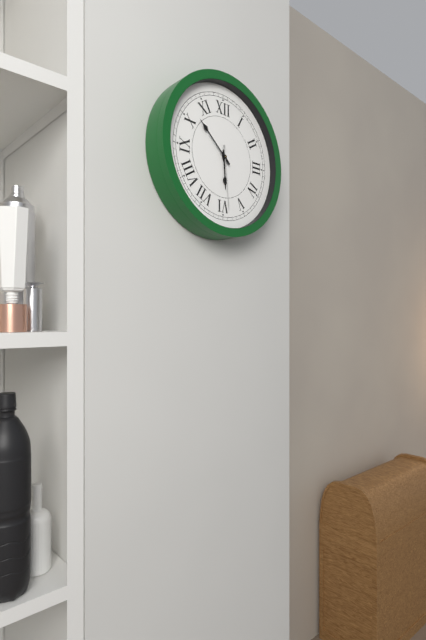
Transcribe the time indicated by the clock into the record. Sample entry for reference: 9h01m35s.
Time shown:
5h52m29s
